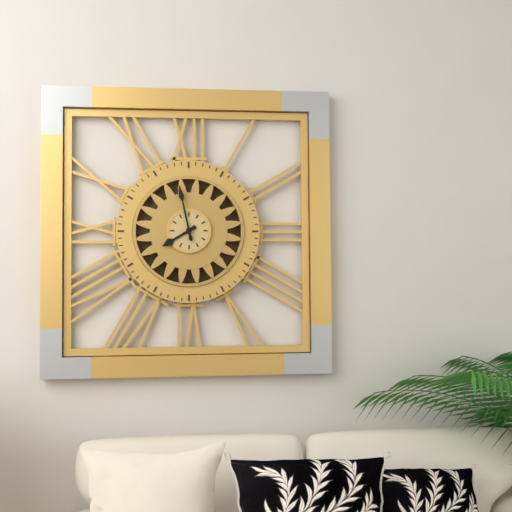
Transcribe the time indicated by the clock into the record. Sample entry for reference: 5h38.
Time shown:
7h58
